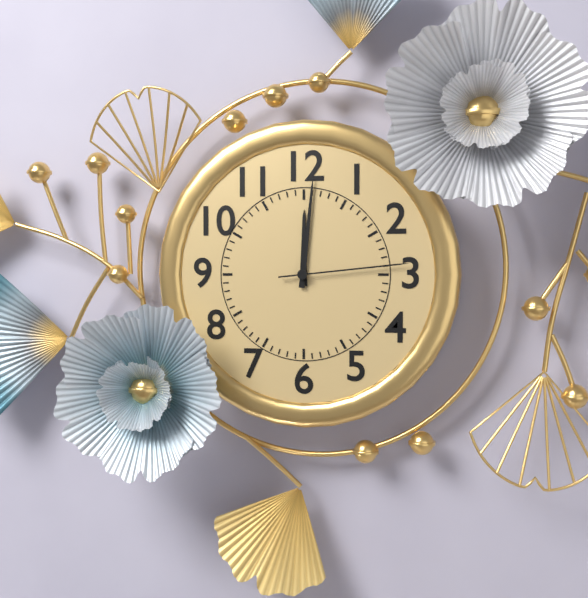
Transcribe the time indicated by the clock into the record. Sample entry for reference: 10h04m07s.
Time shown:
12h01m14s
